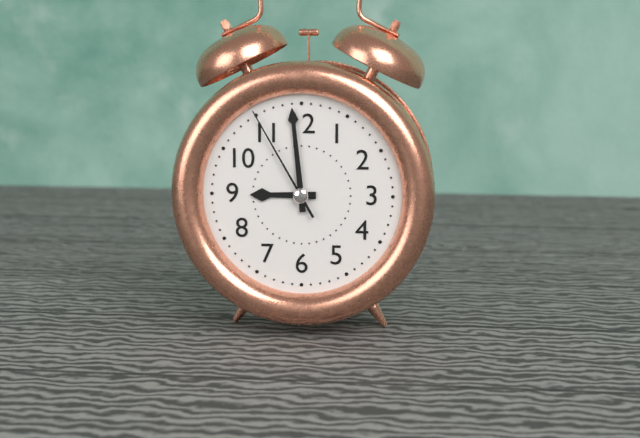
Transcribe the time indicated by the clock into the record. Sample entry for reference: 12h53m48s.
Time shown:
8h59m55s
